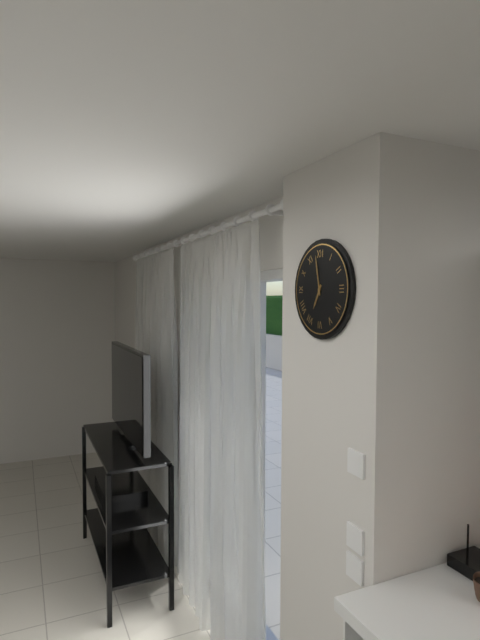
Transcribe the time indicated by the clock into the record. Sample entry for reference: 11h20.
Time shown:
6h58
